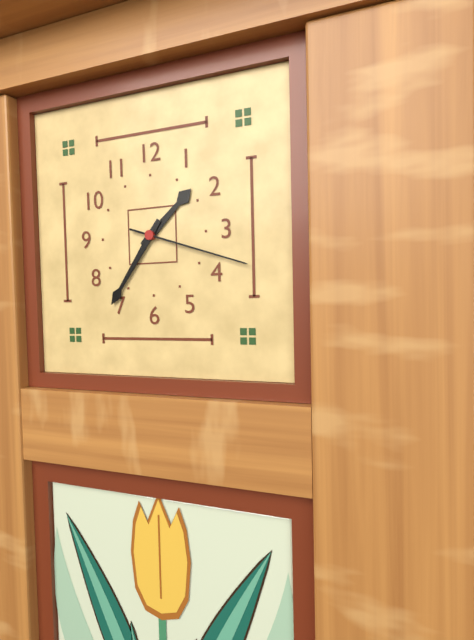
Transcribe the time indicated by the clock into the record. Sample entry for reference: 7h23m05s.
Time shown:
1h36m18s
